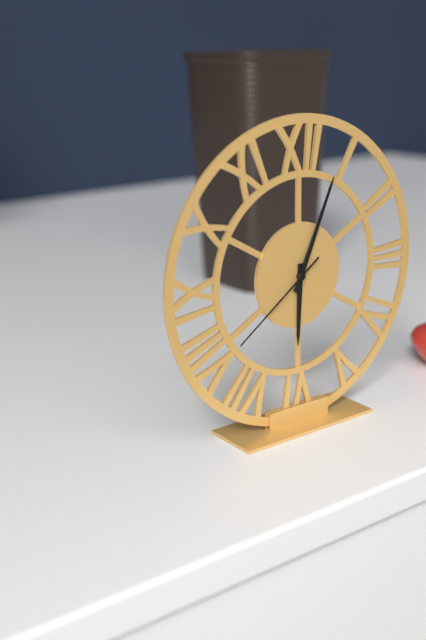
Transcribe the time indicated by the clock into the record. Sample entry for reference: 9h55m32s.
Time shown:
6h04m39s
